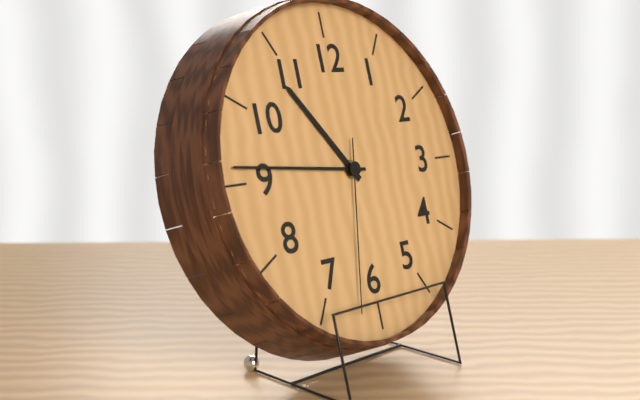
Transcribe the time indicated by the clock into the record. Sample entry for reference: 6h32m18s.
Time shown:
10h46m32s
